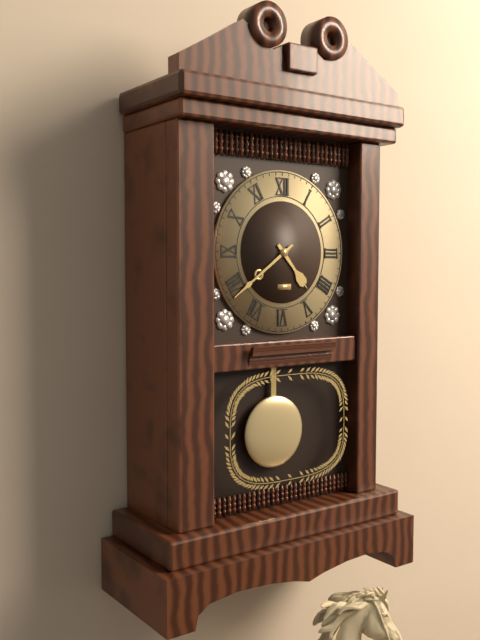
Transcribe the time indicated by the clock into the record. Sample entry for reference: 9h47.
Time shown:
4h39
